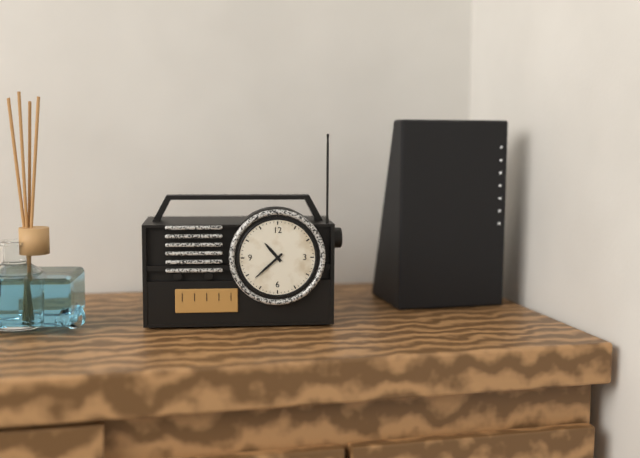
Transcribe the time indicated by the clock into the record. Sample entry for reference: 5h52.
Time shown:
10h38
